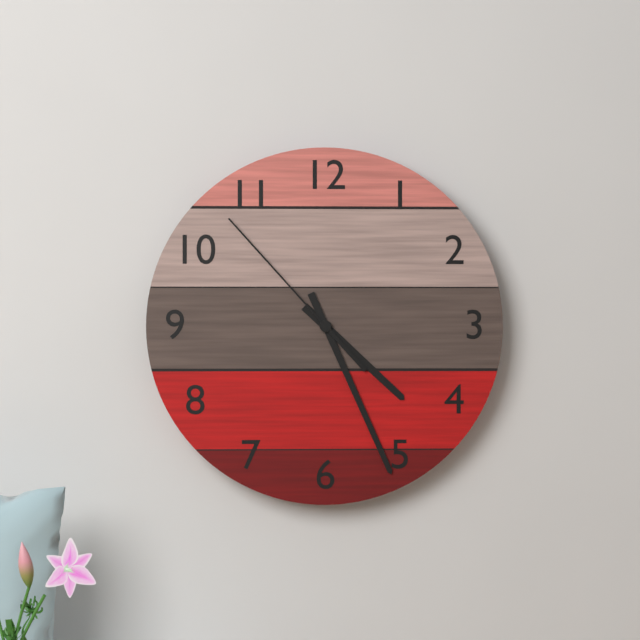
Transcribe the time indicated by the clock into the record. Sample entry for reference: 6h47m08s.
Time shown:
4h26m53s
